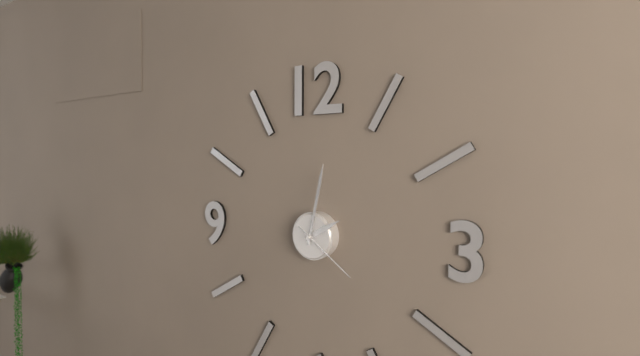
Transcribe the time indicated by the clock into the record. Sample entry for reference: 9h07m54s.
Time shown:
2h02m21s
